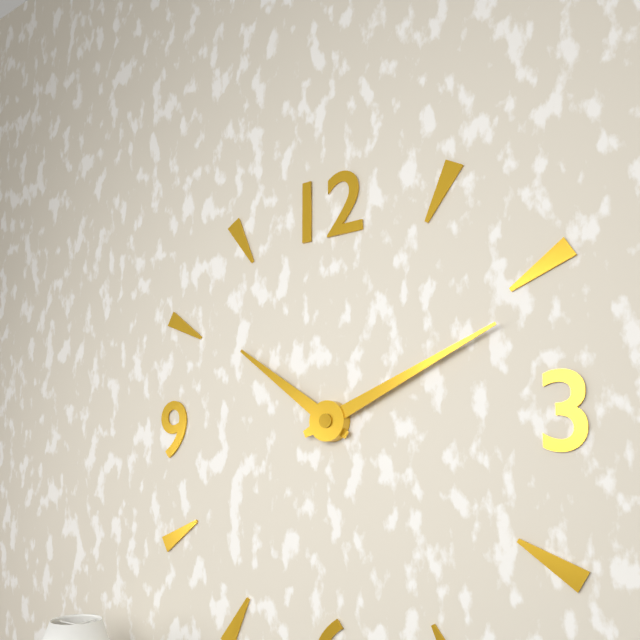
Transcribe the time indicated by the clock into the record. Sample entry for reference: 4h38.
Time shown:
10h11
